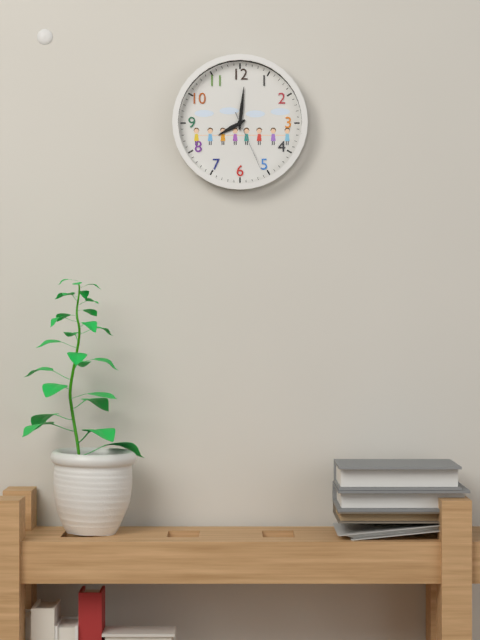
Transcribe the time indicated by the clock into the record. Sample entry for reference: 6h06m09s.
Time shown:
8h01m26s
